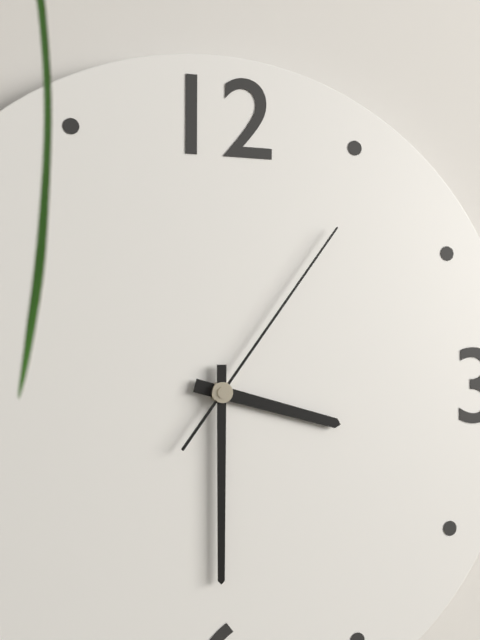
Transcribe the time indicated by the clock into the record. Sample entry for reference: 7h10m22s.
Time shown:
3h30m06s
